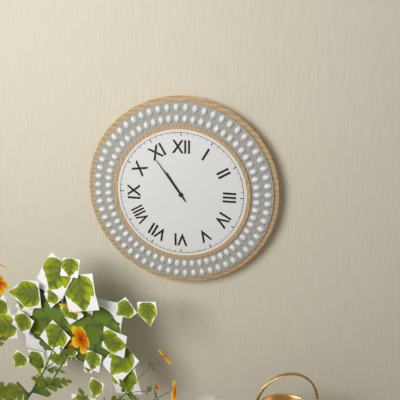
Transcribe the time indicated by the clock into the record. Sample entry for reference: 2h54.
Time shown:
10h54
